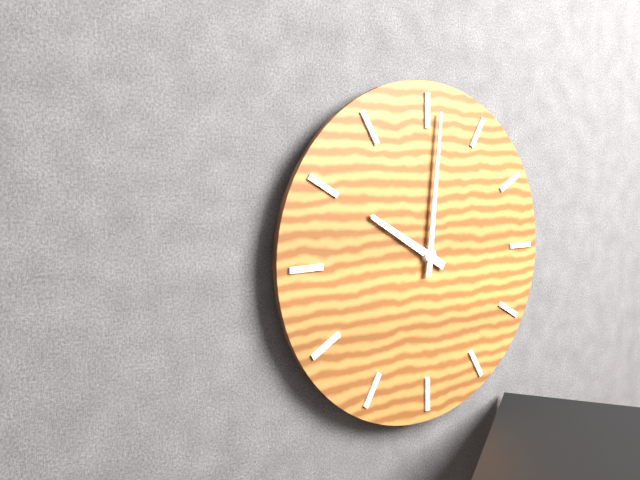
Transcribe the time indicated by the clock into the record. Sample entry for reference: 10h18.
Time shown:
10h01
